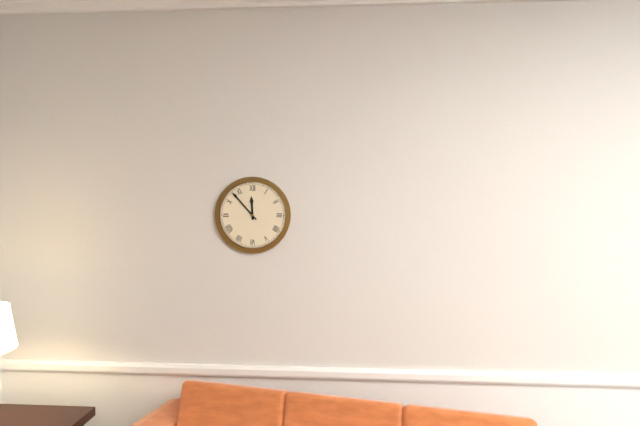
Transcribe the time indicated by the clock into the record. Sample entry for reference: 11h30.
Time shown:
11h53
